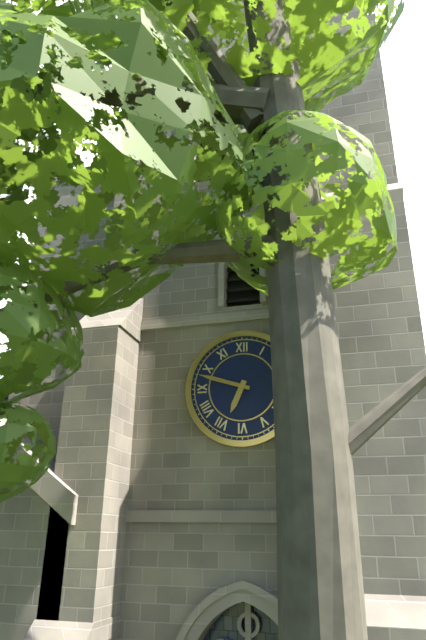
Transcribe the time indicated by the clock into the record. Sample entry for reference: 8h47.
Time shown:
6h48
